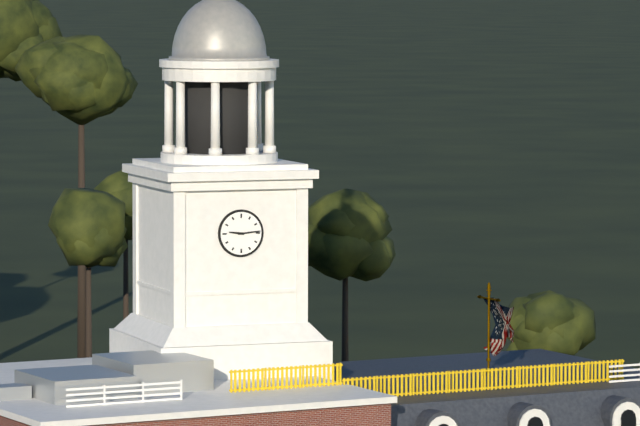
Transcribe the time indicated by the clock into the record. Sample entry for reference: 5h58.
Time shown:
9h14
